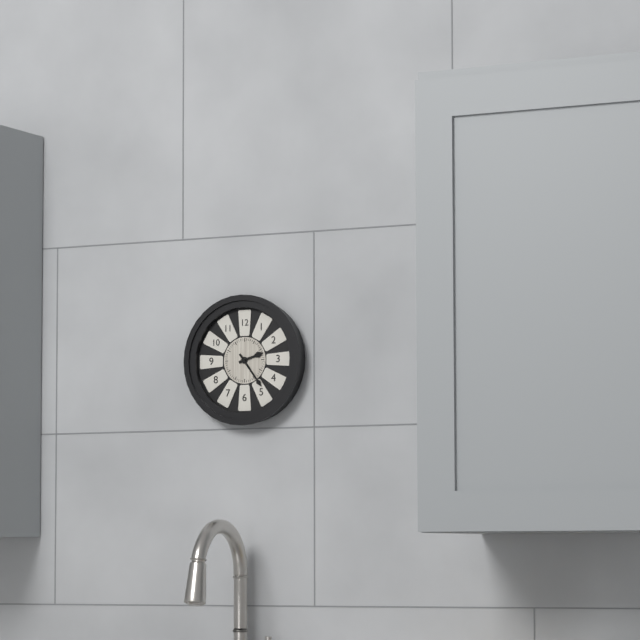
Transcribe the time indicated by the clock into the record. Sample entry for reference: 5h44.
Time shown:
2h24
